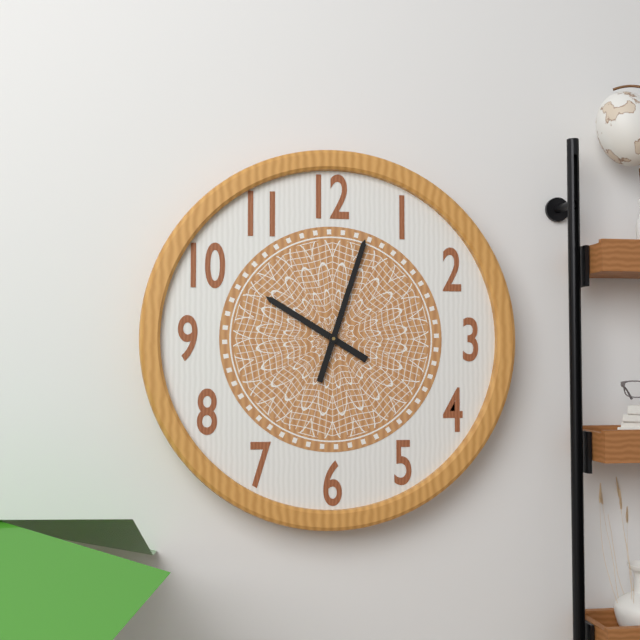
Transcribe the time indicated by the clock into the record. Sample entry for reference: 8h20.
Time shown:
10h03
